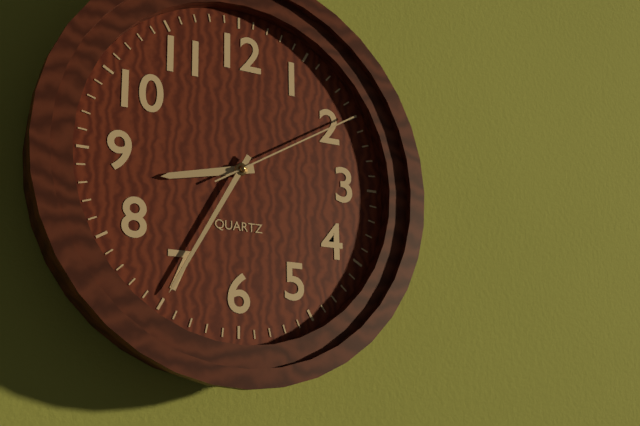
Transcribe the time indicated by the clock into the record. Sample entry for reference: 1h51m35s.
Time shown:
8h35m10s
